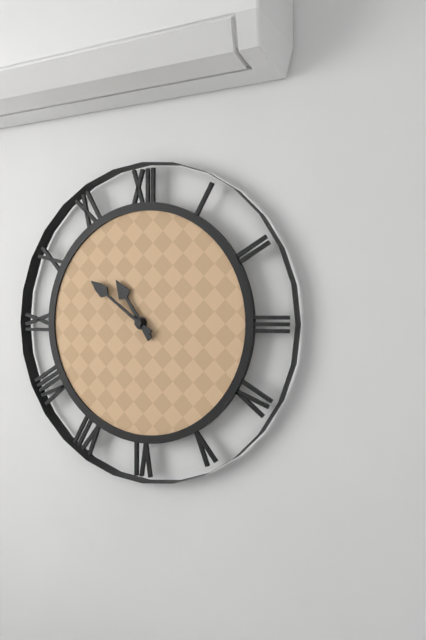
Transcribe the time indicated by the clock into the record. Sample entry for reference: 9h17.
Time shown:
10h51
